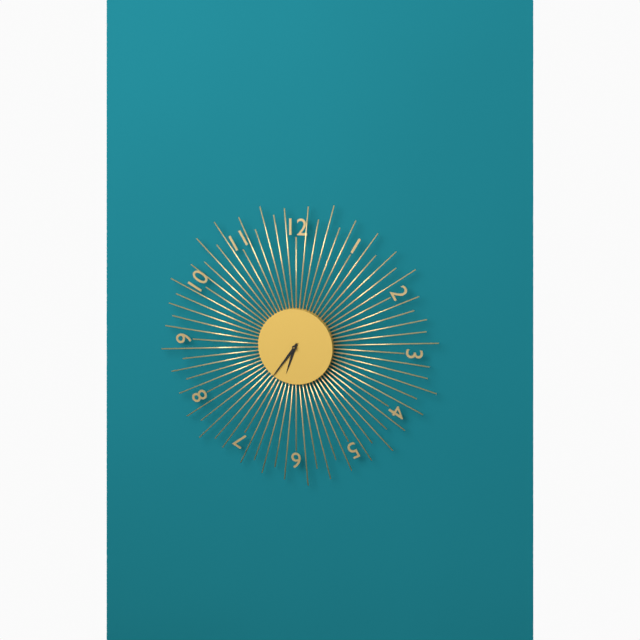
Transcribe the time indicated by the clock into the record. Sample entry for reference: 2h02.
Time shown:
6h36
